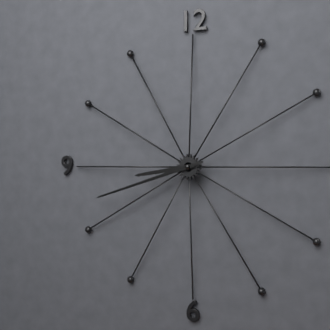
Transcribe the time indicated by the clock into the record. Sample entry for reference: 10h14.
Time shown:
8h42
